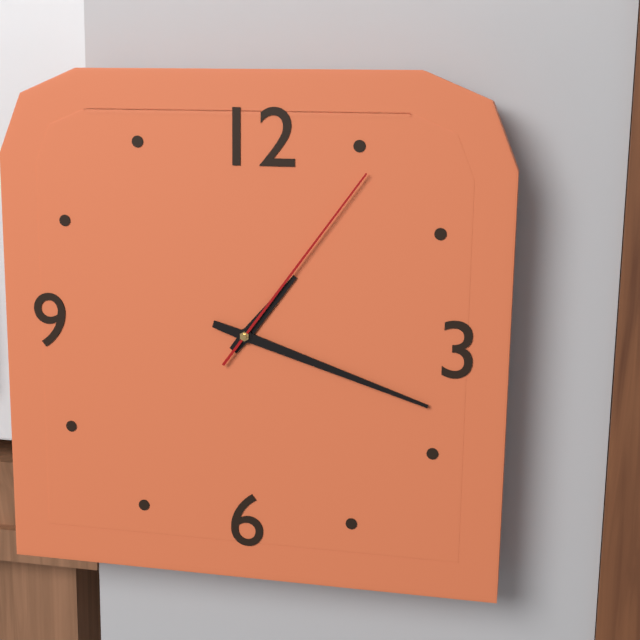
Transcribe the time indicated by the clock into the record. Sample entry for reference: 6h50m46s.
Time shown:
1h18m06s
